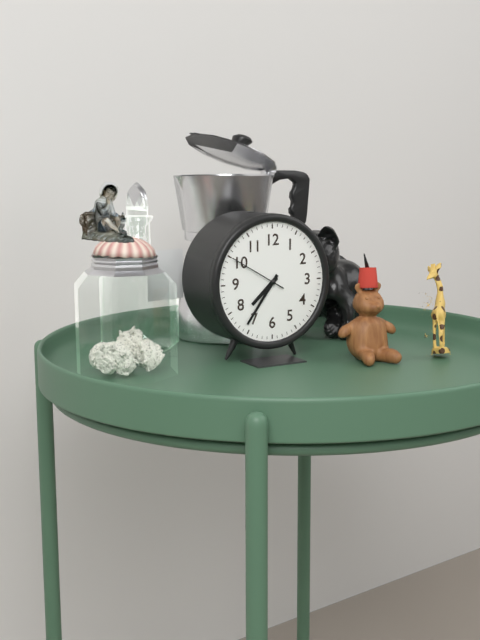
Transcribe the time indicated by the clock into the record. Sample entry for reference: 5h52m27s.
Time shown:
7h36m50s
